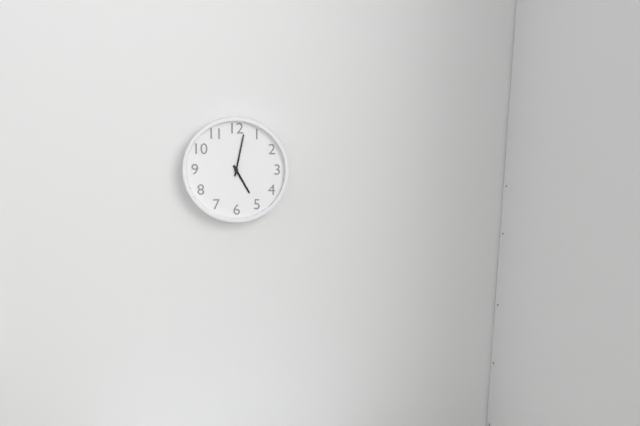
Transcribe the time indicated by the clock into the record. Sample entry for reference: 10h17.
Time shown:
5h02
